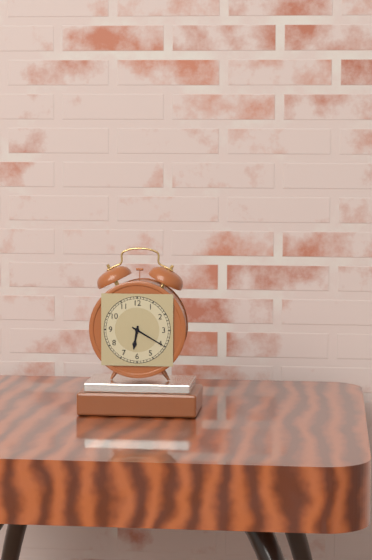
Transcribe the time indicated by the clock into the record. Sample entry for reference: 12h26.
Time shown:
6h20
